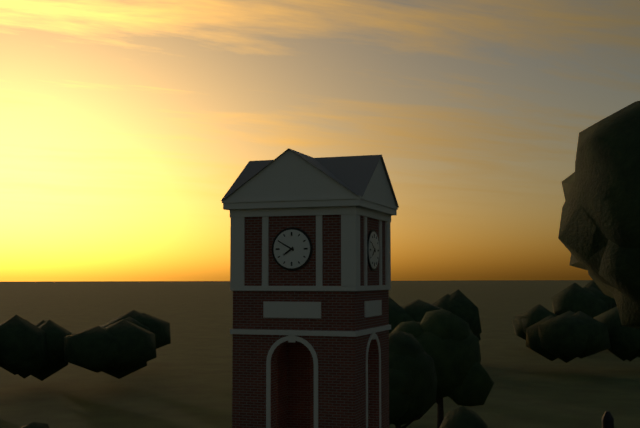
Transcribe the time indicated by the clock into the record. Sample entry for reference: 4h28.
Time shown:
7h50
